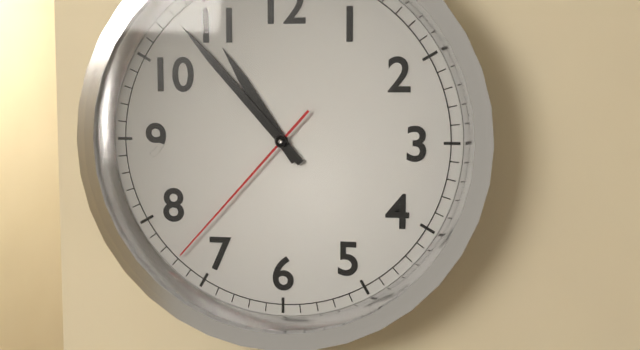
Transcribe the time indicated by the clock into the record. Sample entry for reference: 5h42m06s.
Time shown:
10h53m37s
